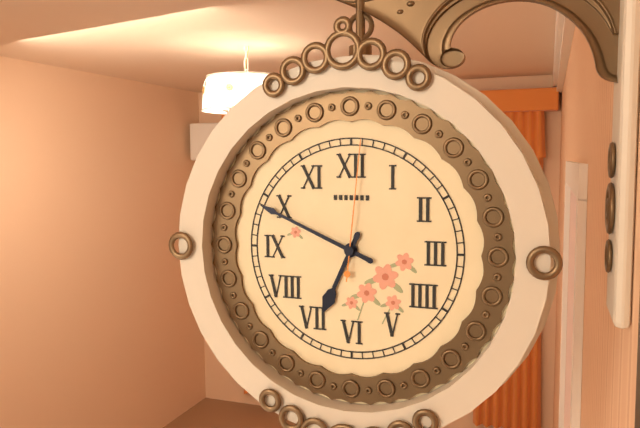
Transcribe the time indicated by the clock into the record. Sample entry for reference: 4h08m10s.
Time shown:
6h49m01s
